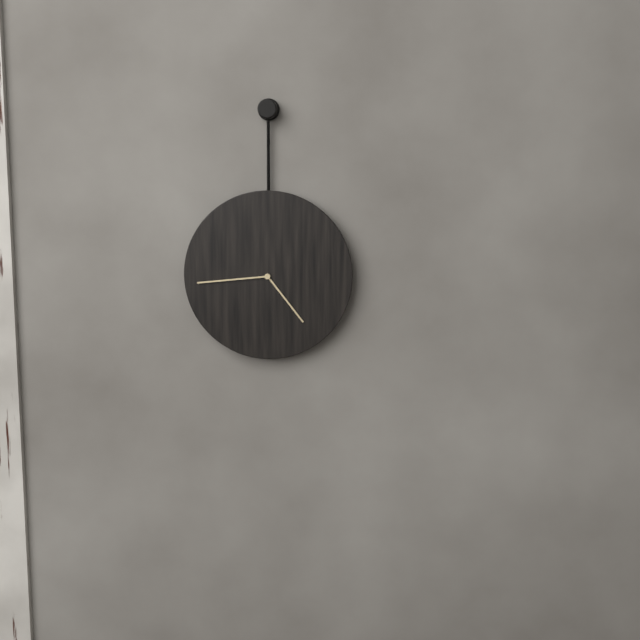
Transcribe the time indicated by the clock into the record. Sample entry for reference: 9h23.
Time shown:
4h44
